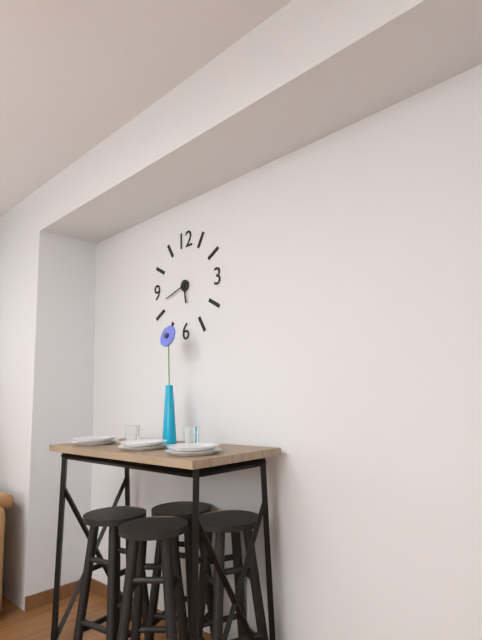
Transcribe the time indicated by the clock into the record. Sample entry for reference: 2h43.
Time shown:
5h42
